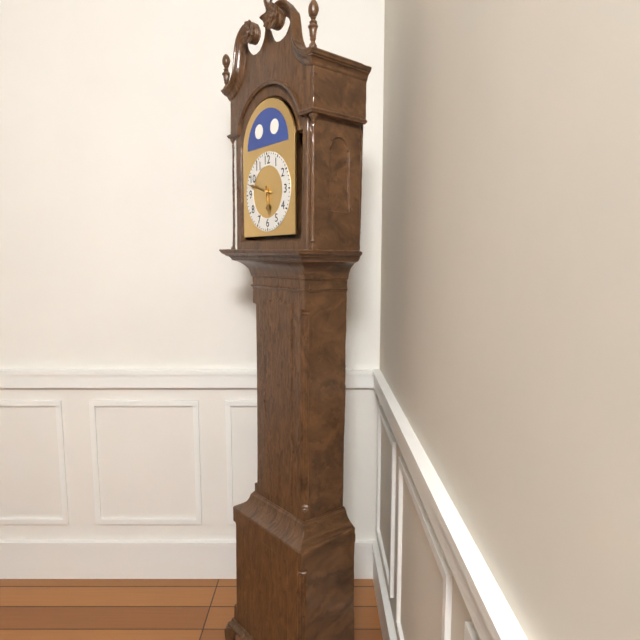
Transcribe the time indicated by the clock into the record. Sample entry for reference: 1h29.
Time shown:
5h48
